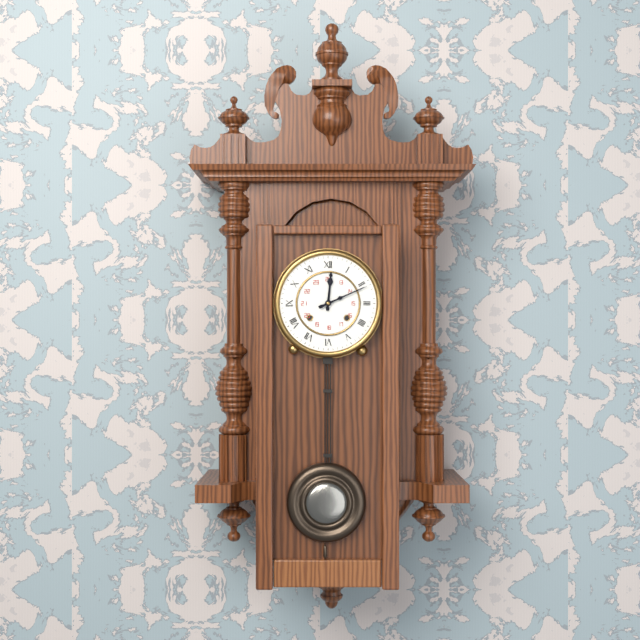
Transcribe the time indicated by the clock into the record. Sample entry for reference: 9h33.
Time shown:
12h11
